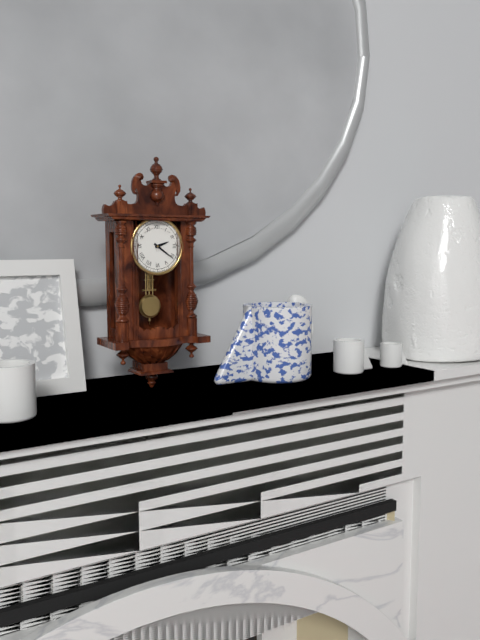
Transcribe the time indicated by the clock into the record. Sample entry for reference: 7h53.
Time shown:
2h21
